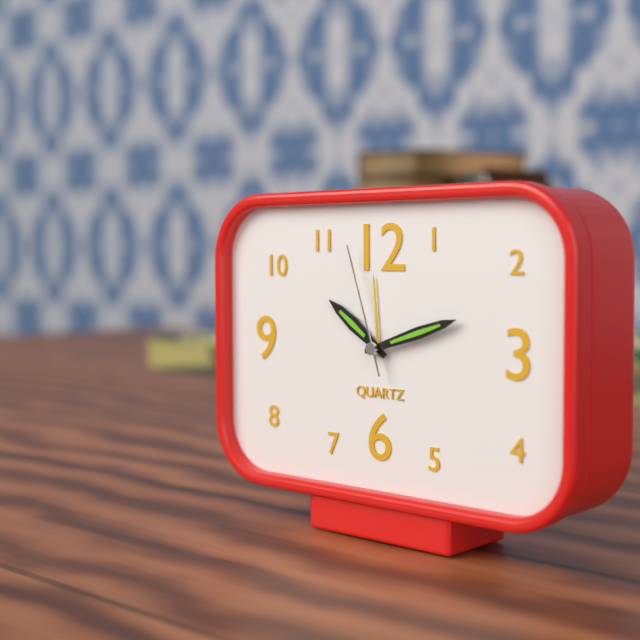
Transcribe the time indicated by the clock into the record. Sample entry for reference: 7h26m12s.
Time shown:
10h12m57s
